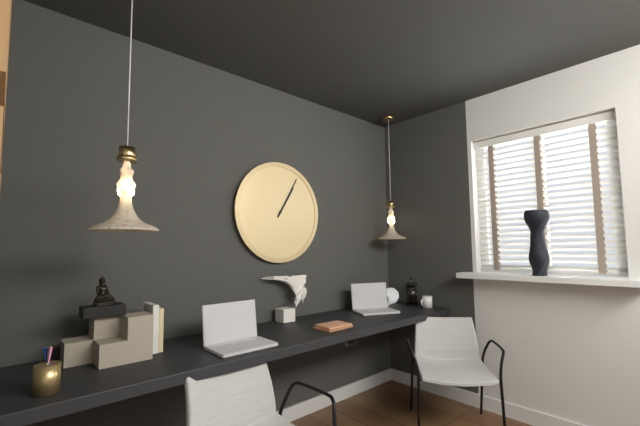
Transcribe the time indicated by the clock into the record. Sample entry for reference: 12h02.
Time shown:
1h05
